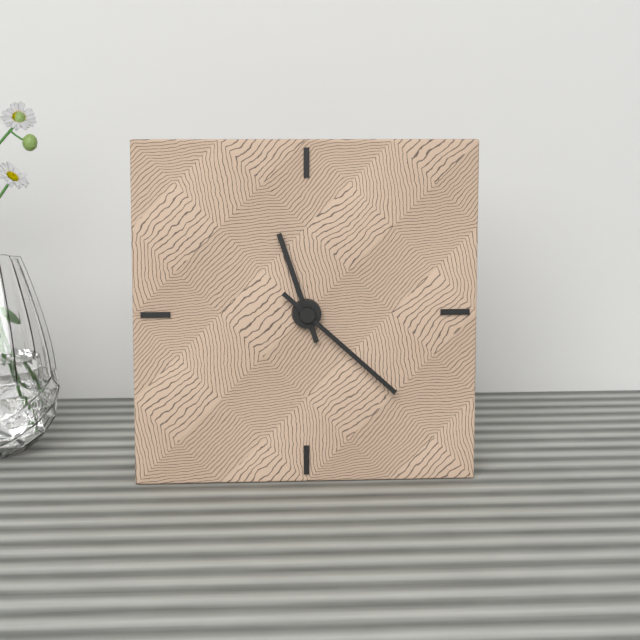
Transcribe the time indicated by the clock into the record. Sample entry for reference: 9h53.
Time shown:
11h22
